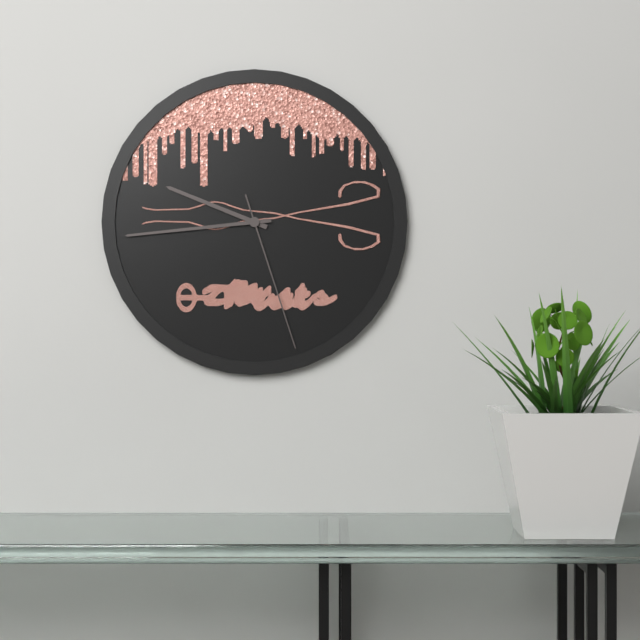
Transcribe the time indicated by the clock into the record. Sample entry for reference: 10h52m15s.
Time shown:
9h44m27s
